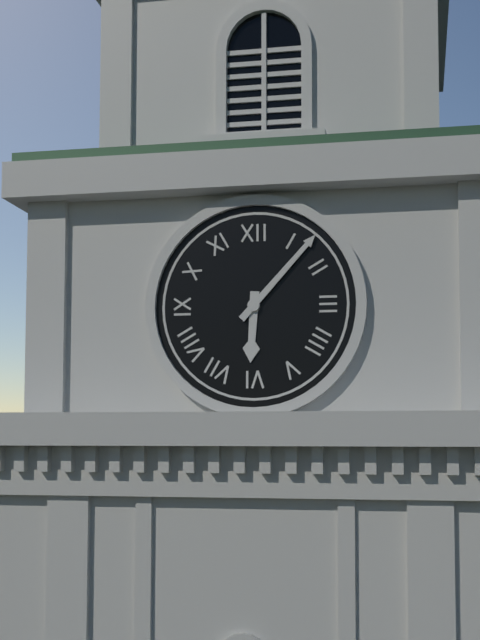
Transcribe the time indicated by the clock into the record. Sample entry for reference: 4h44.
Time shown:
6h07
